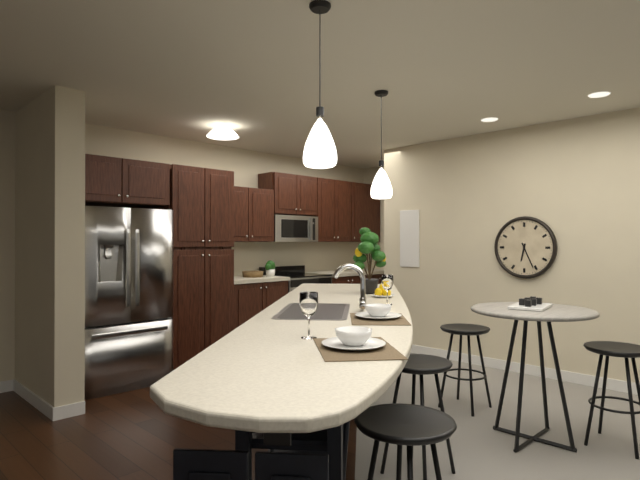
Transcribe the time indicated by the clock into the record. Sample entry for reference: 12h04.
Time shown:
6h26
